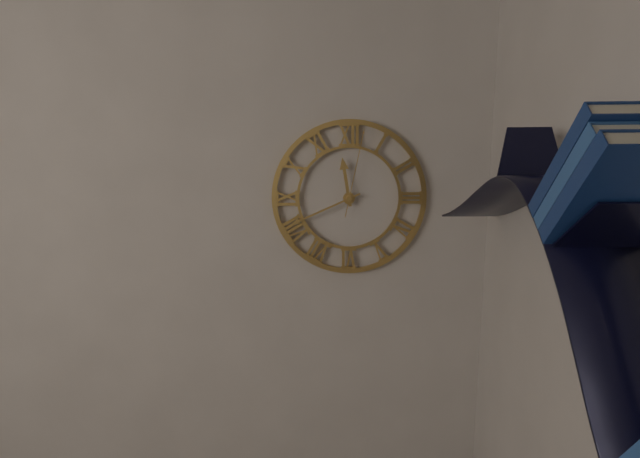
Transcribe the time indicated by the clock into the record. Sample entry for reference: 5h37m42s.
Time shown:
11h41m02s
